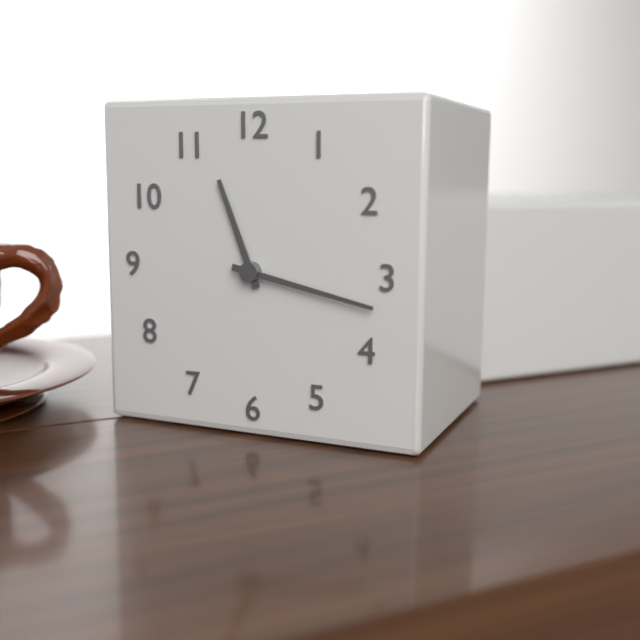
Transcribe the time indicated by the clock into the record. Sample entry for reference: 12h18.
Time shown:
11h17
